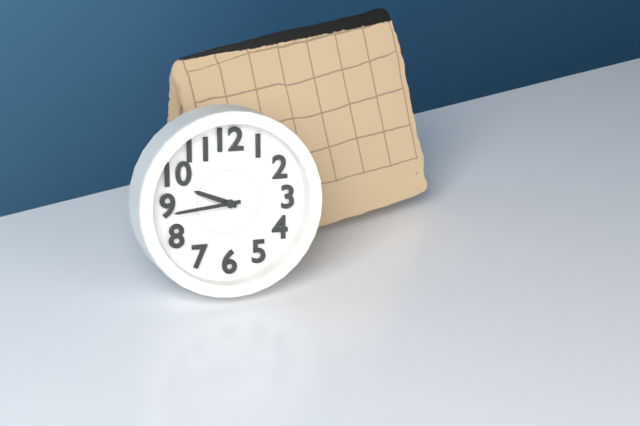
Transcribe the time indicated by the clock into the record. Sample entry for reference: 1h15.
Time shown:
9h44
